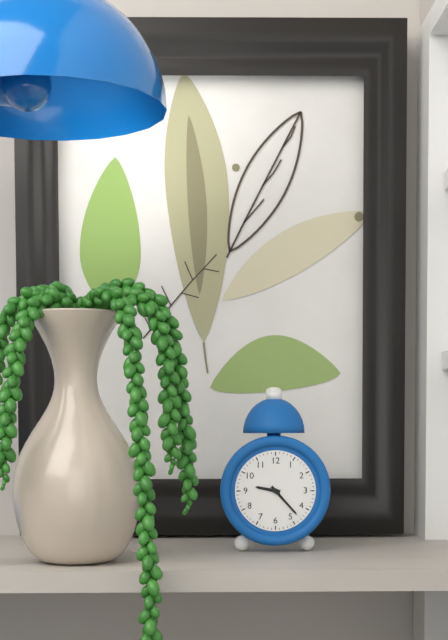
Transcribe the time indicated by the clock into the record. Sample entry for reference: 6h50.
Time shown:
9h23
